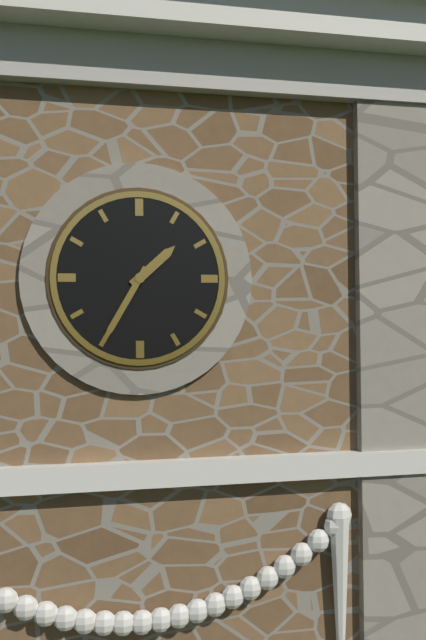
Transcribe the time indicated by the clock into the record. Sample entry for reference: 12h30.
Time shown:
1h35
